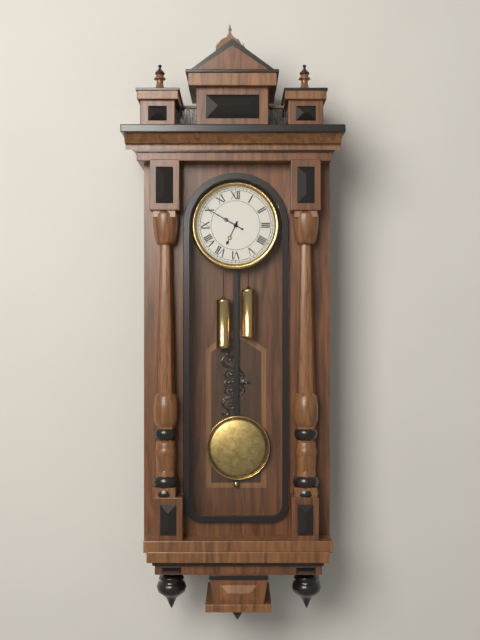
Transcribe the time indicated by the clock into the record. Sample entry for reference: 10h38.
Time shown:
6h50
